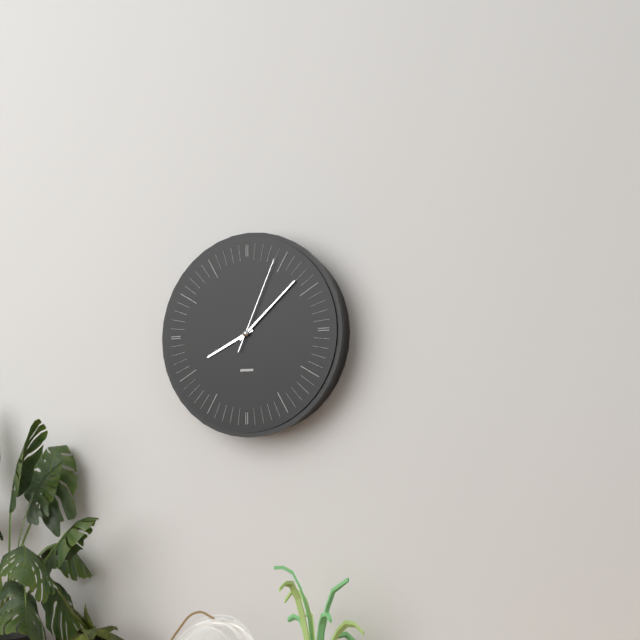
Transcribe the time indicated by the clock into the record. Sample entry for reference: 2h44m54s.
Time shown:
8h08m04s
